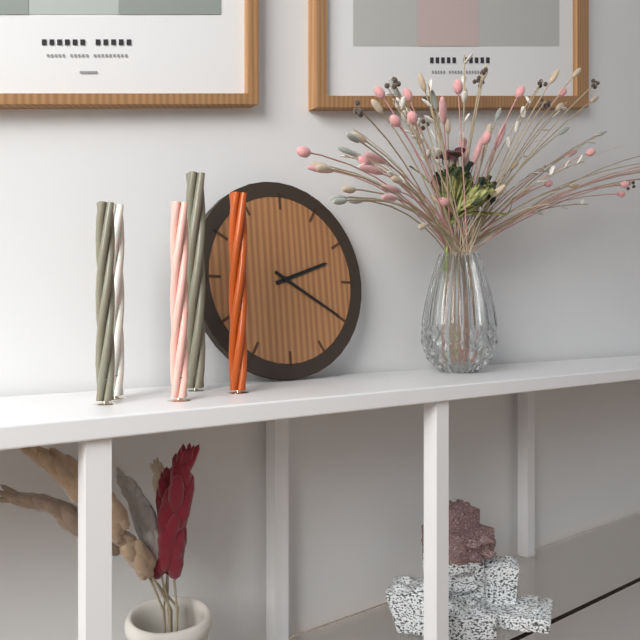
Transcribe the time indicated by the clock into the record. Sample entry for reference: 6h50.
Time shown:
2h20
